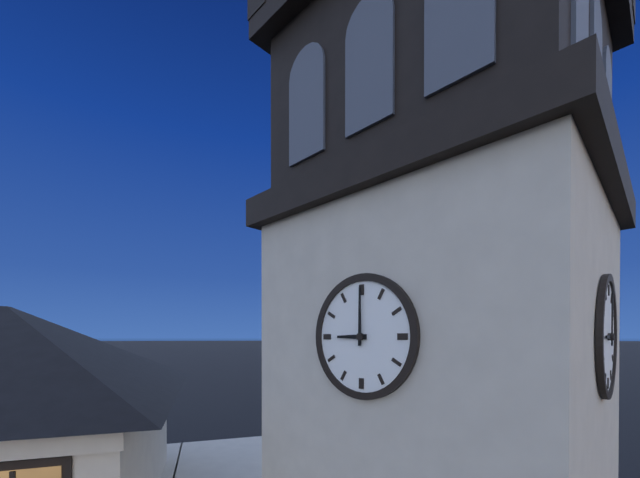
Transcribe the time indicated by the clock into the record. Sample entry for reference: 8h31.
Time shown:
9h00
